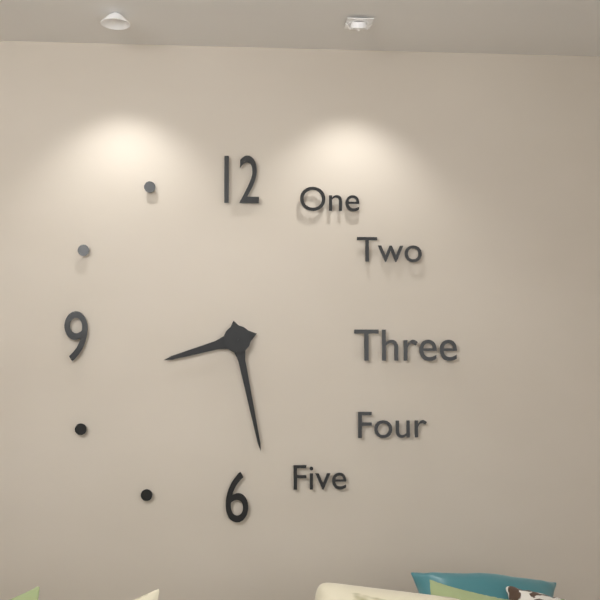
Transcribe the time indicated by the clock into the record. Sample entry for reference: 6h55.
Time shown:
8h28
